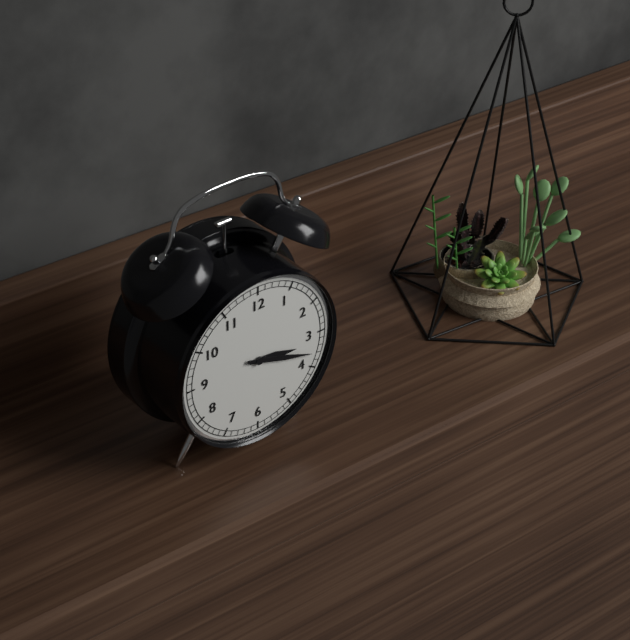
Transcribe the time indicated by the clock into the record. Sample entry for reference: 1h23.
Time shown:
3h18
